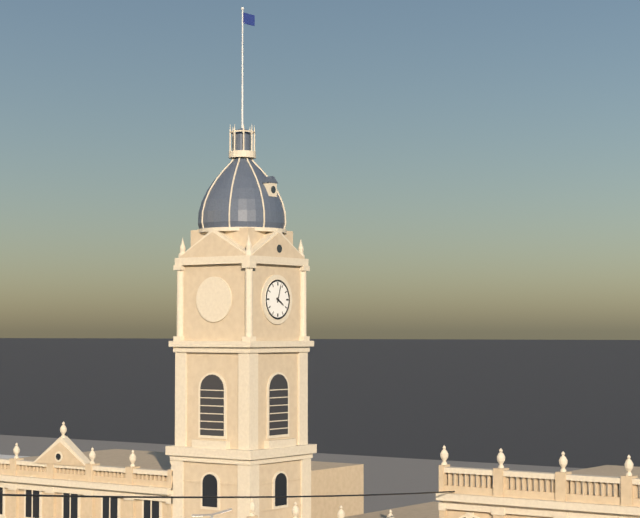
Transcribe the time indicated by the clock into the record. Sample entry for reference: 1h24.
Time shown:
4h03
